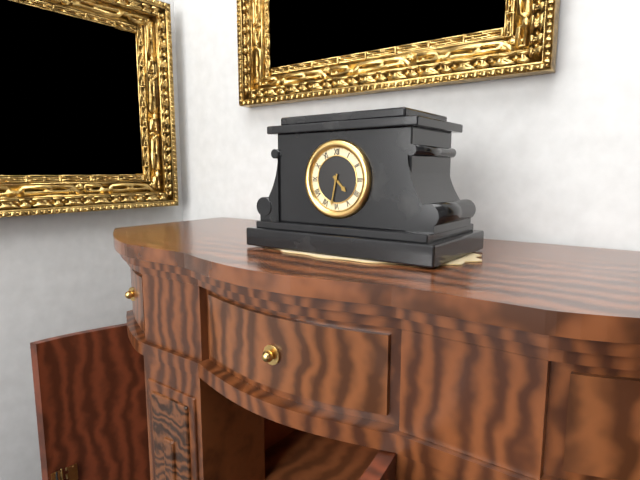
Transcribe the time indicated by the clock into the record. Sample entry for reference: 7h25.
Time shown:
4h32
